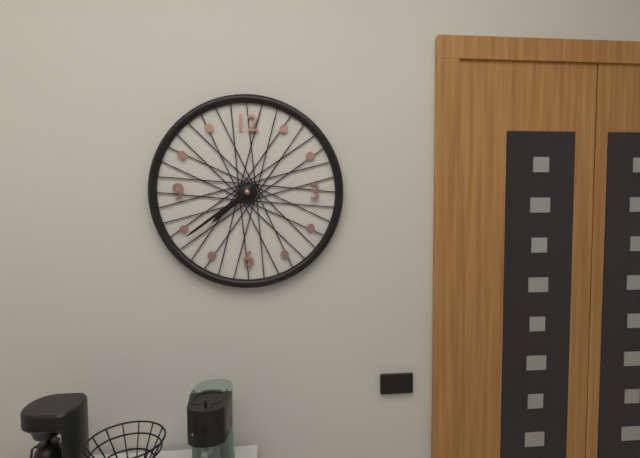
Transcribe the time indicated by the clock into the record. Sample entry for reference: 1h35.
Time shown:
7h39
